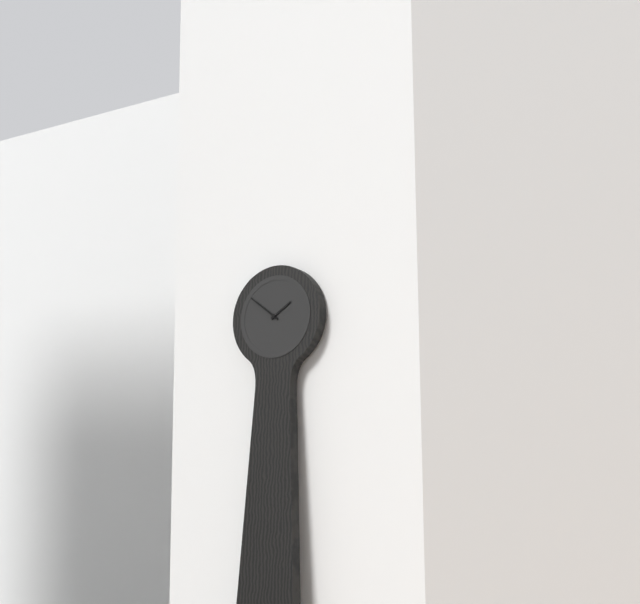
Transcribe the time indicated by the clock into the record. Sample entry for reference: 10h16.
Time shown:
1h51
